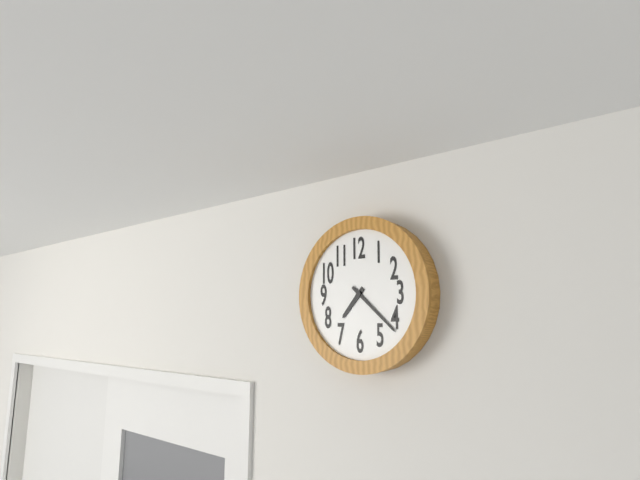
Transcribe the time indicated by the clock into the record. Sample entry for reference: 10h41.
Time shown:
7h22
